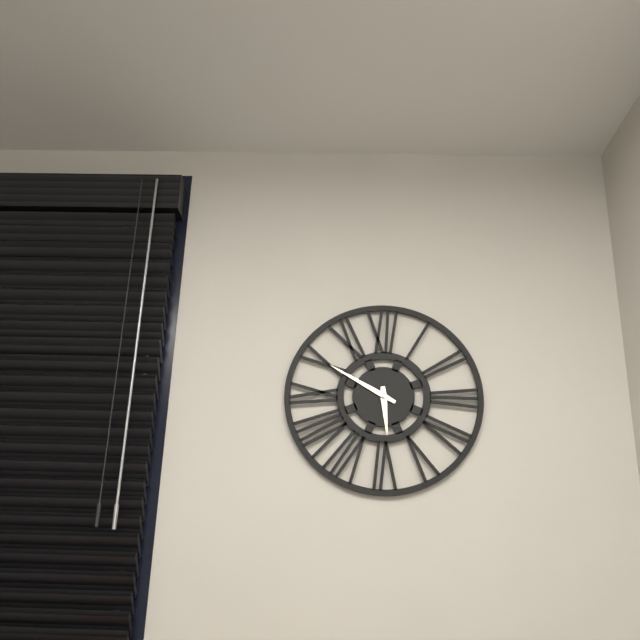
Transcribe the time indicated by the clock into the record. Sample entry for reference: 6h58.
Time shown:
5h50
